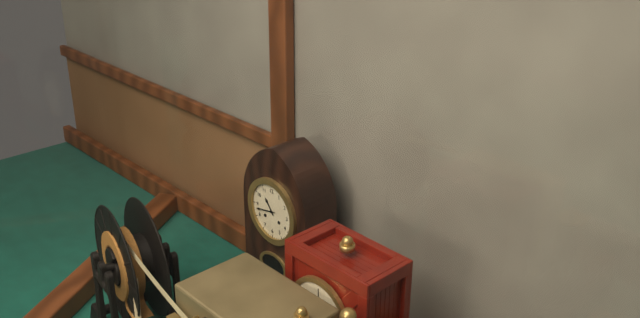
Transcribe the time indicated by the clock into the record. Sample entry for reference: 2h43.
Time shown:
10h43
